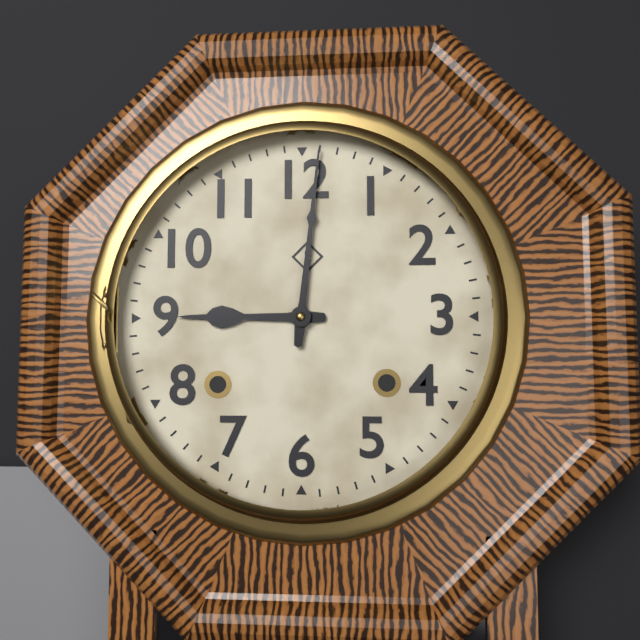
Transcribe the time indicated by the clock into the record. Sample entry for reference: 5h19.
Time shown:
9h01
